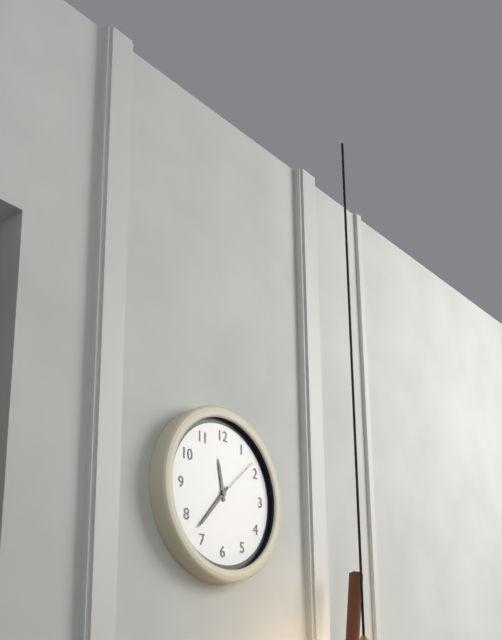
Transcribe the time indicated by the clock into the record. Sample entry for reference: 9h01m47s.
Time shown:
11h37m08s
